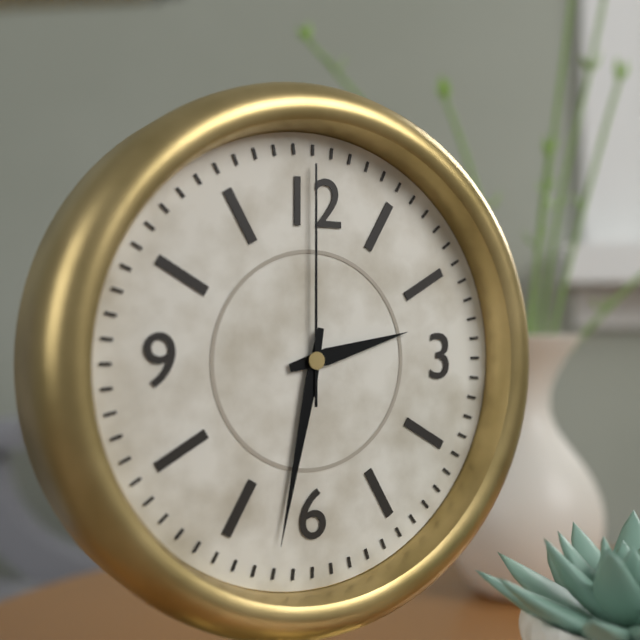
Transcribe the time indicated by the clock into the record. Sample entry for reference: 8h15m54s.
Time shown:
2h32m00s
